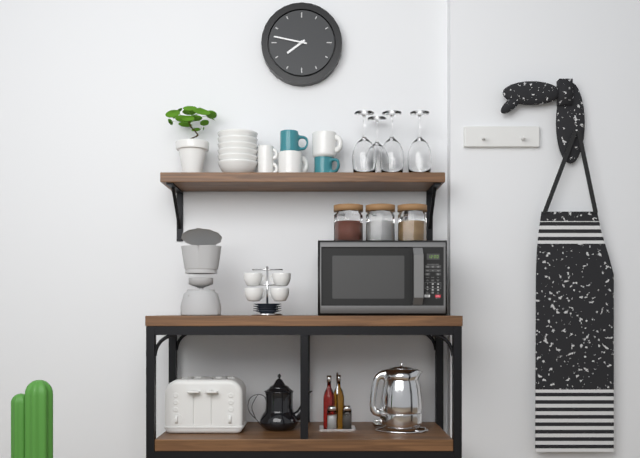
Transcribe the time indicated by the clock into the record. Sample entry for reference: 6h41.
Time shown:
7h47
